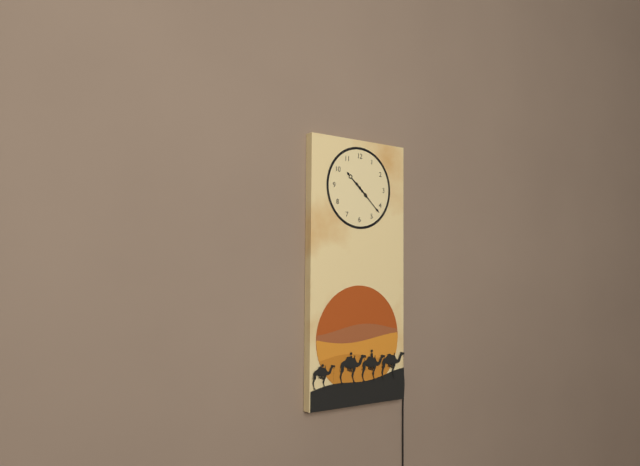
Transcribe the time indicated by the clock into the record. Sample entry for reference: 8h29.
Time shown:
10h22
